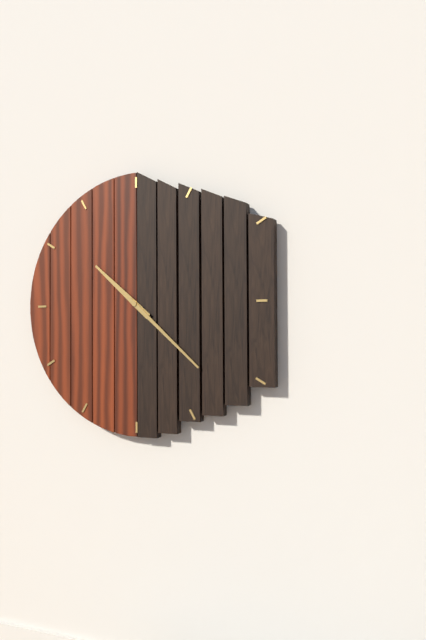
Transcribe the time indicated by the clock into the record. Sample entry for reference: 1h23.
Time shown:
10h22
